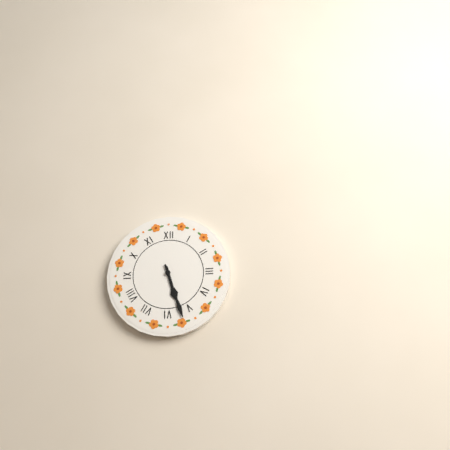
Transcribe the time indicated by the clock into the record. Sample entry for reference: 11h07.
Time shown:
5h27
